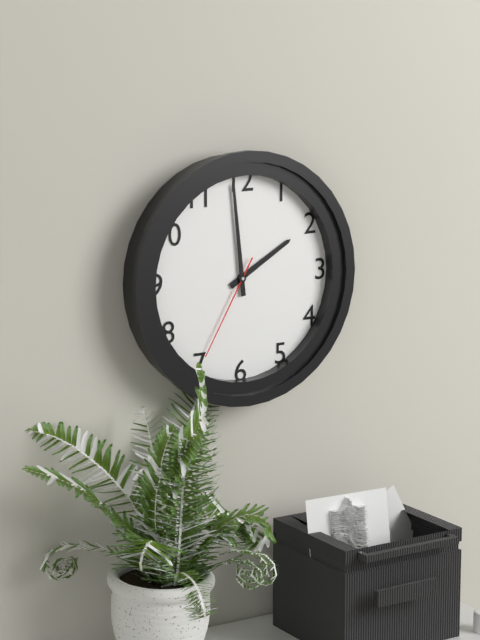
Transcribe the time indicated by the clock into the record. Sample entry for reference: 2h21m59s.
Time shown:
1h59m35s
